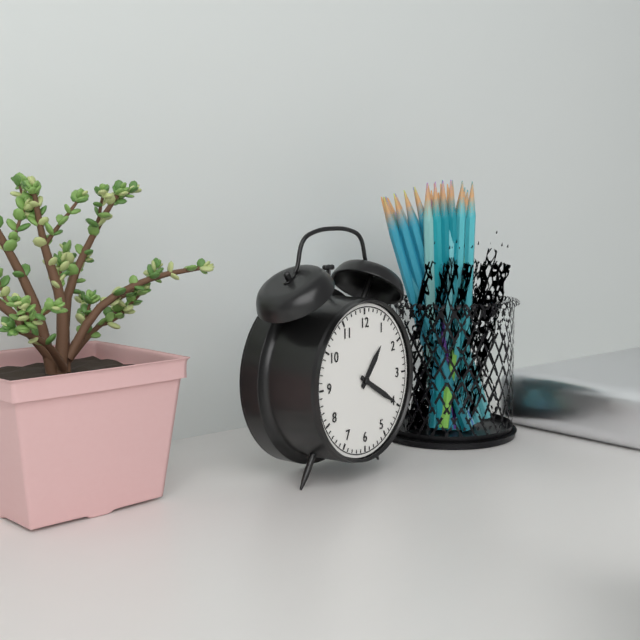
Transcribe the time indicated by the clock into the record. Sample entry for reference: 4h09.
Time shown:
1h20
